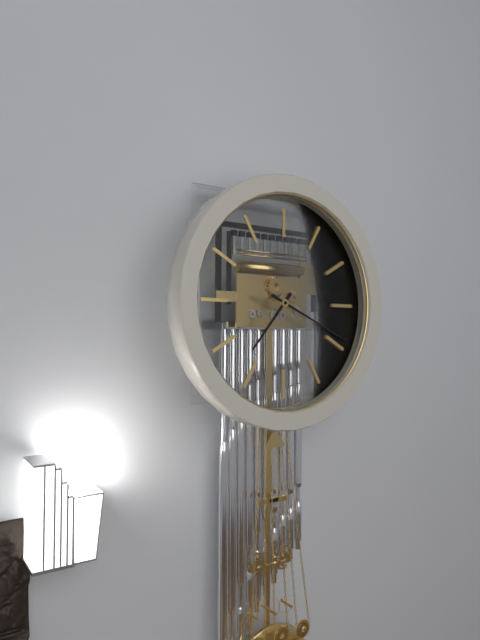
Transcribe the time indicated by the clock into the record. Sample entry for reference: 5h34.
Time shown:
7h19
